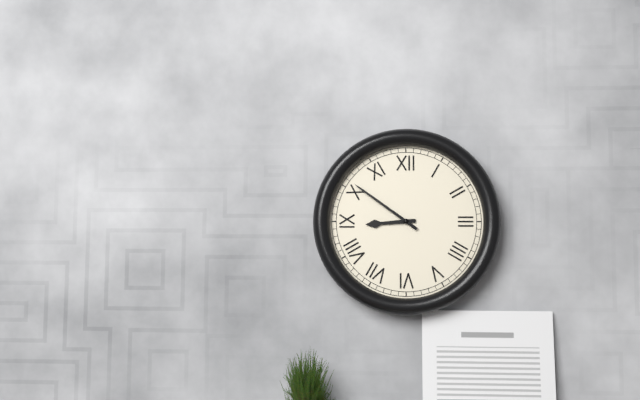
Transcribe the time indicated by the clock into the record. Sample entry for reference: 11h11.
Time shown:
8h51
